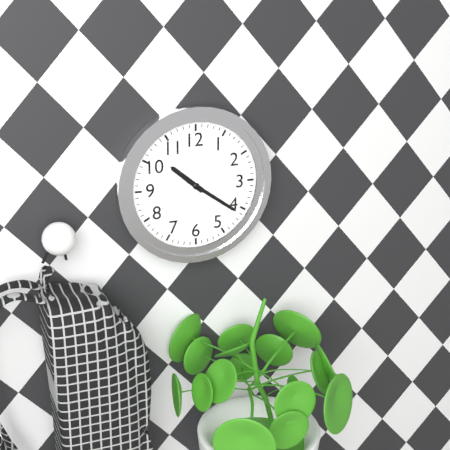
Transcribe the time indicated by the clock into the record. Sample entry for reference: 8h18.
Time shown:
10h21
